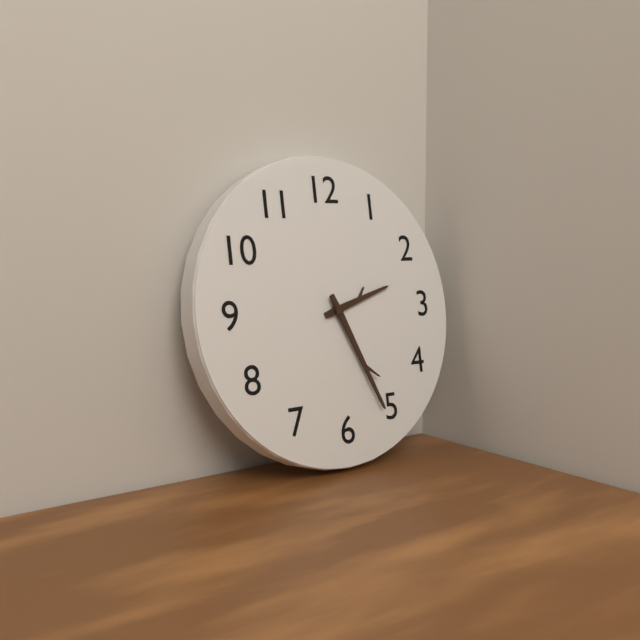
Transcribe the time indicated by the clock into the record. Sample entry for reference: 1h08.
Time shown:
2h26
